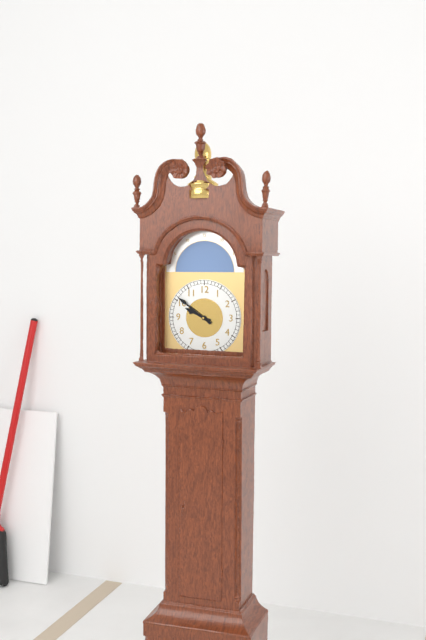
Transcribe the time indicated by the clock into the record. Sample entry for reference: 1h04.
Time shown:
9h51
